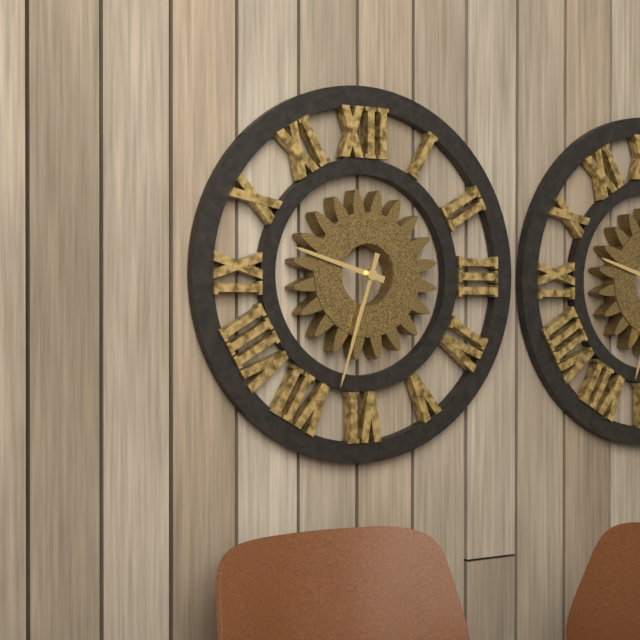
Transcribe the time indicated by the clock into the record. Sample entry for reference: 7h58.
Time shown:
9h33
